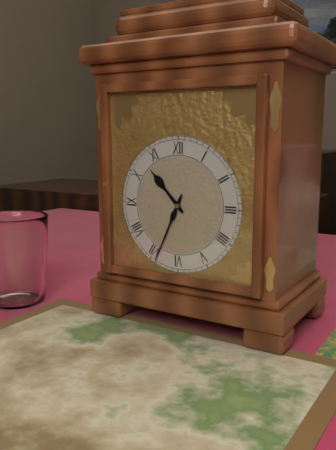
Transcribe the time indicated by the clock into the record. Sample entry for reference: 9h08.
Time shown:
10h34
